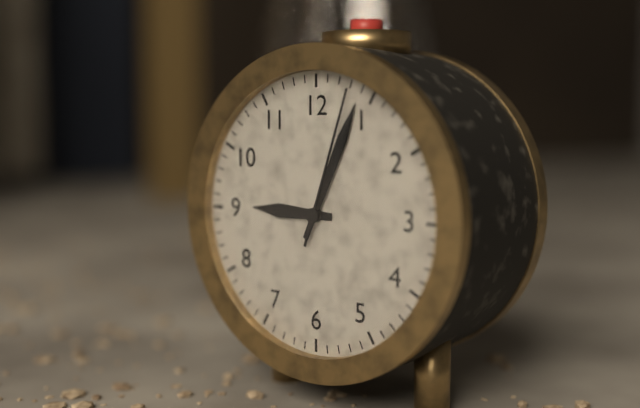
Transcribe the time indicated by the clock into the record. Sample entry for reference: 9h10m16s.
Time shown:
9h04m03s
